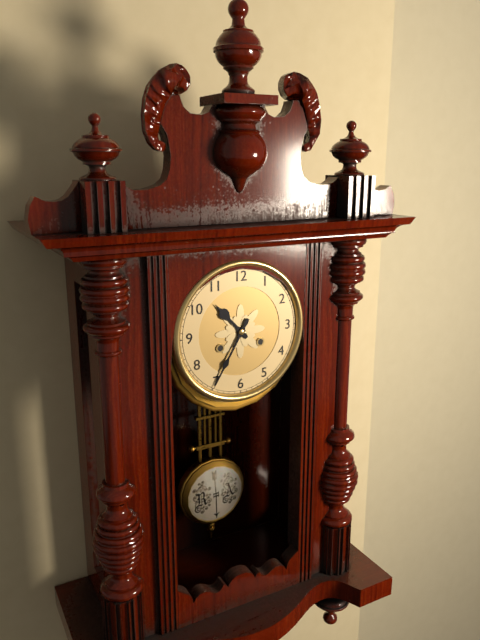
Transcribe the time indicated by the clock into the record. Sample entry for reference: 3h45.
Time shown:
10h35
